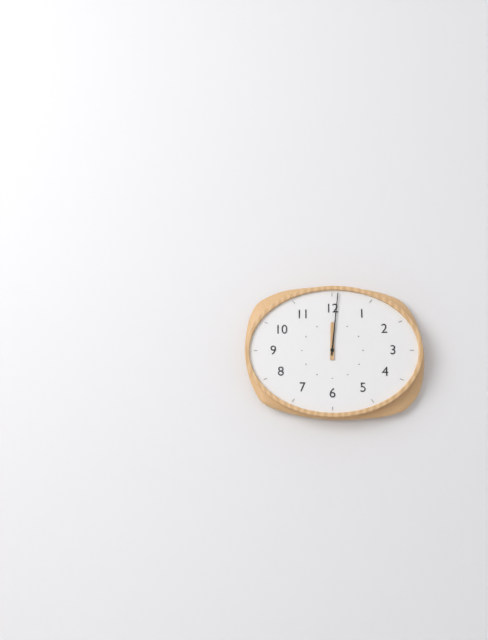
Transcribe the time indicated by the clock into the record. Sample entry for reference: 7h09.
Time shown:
12h01
